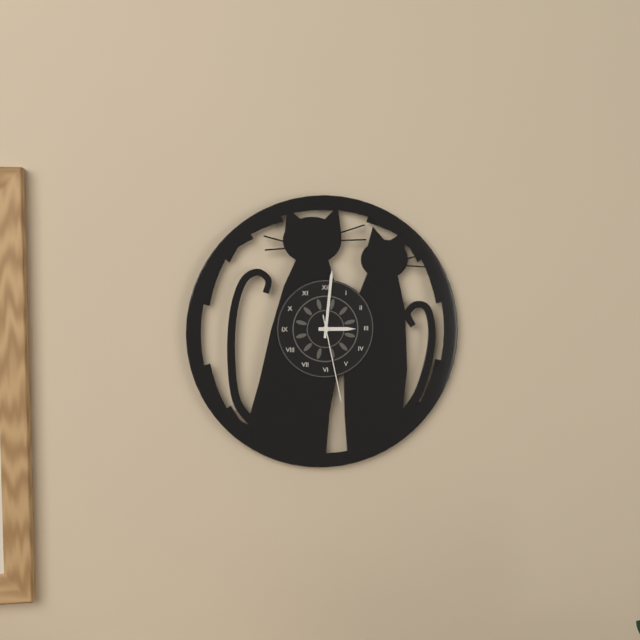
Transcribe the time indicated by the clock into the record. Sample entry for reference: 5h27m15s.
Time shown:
3h01m28s
